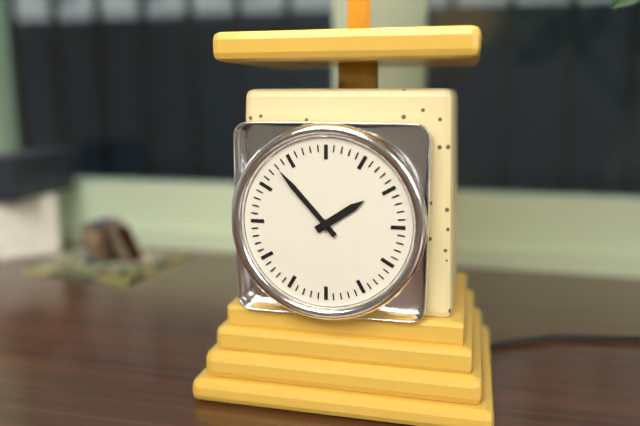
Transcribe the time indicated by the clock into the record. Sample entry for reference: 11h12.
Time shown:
1h53
